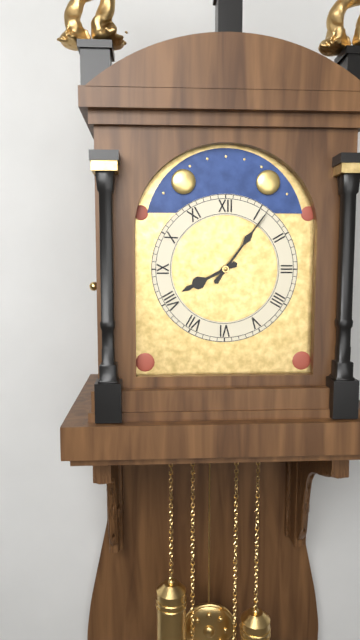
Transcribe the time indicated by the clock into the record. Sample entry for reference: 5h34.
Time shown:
8h06
